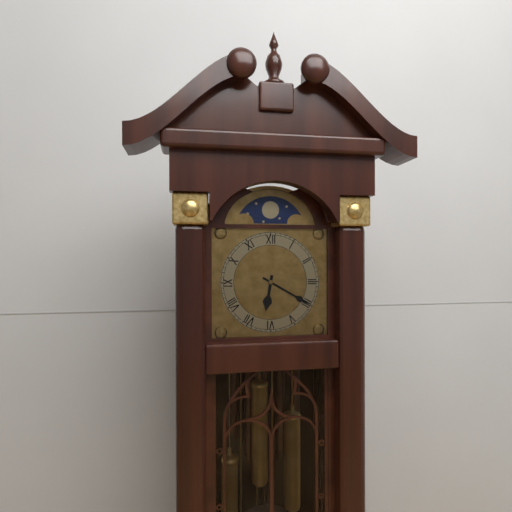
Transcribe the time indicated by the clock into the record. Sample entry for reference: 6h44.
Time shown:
6h20
